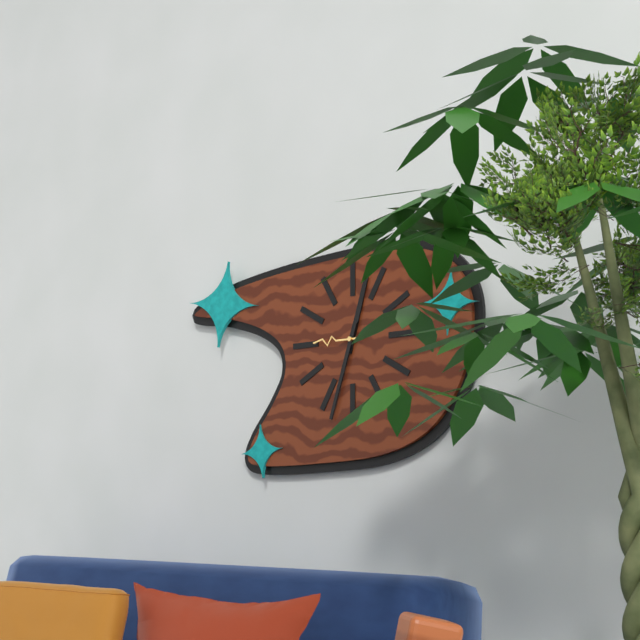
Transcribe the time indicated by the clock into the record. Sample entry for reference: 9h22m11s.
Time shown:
12h33m45s
